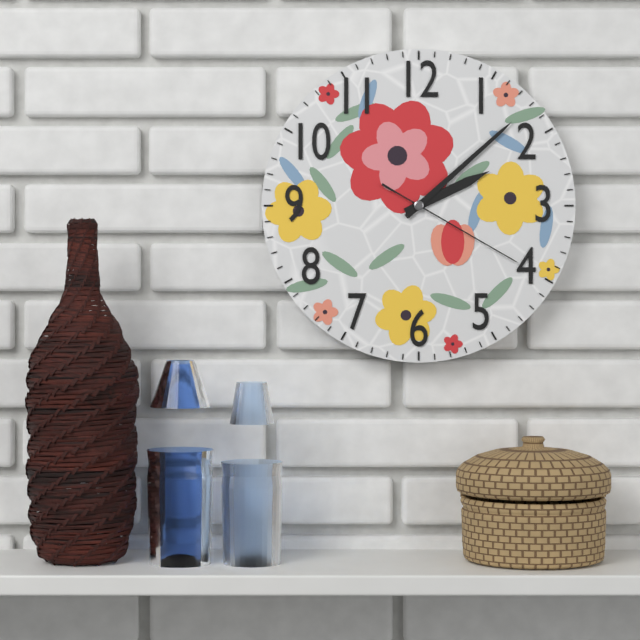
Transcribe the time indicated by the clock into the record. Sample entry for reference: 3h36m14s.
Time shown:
2h08m20s
